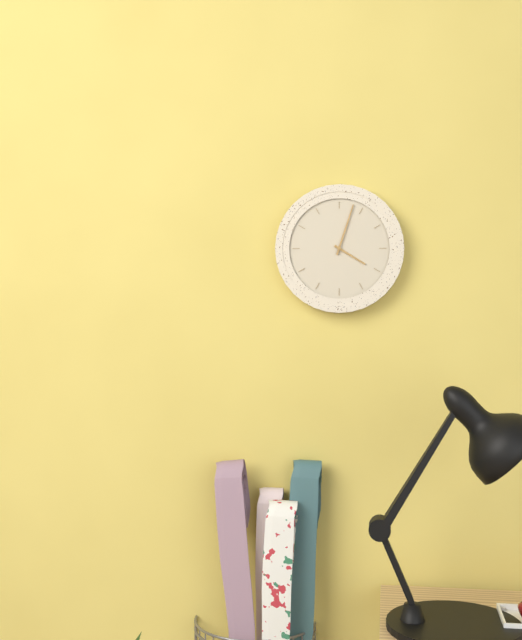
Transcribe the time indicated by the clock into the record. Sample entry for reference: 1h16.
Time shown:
4h03
